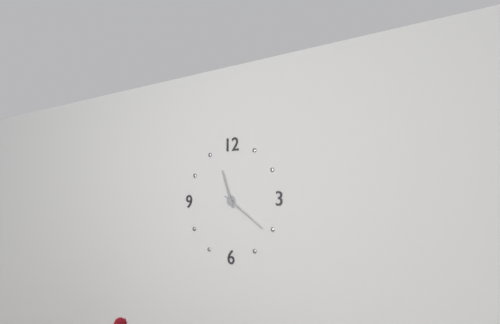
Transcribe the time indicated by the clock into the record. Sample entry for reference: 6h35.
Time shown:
11h21
